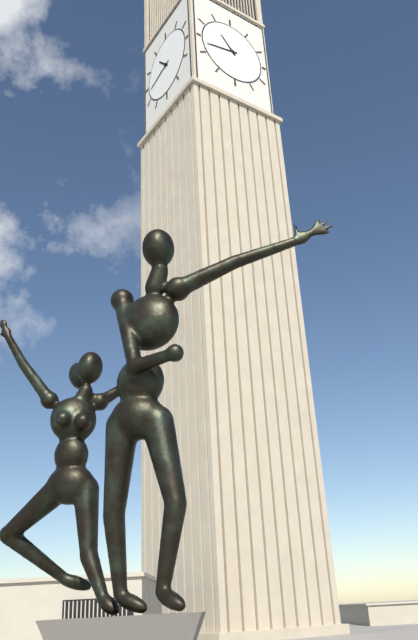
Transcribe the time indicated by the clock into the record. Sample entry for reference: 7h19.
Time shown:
10h43
